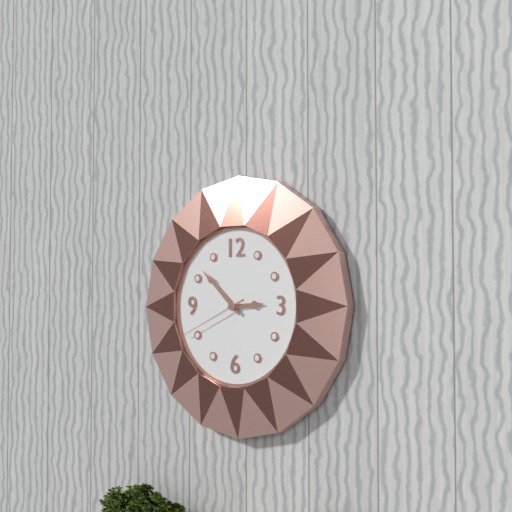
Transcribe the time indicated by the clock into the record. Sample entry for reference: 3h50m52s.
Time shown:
2h52m41s
